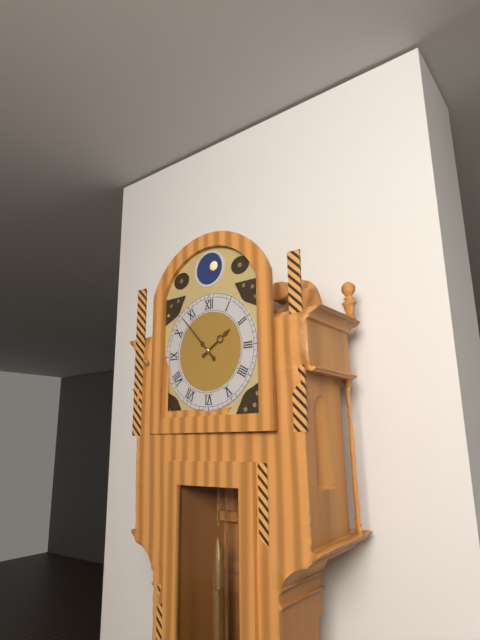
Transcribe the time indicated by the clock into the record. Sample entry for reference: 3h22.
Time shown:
1h53
